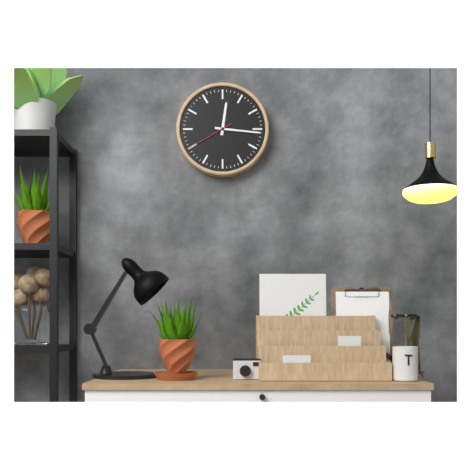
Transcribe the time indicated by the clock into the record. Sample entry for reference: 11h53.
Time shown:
12h16
